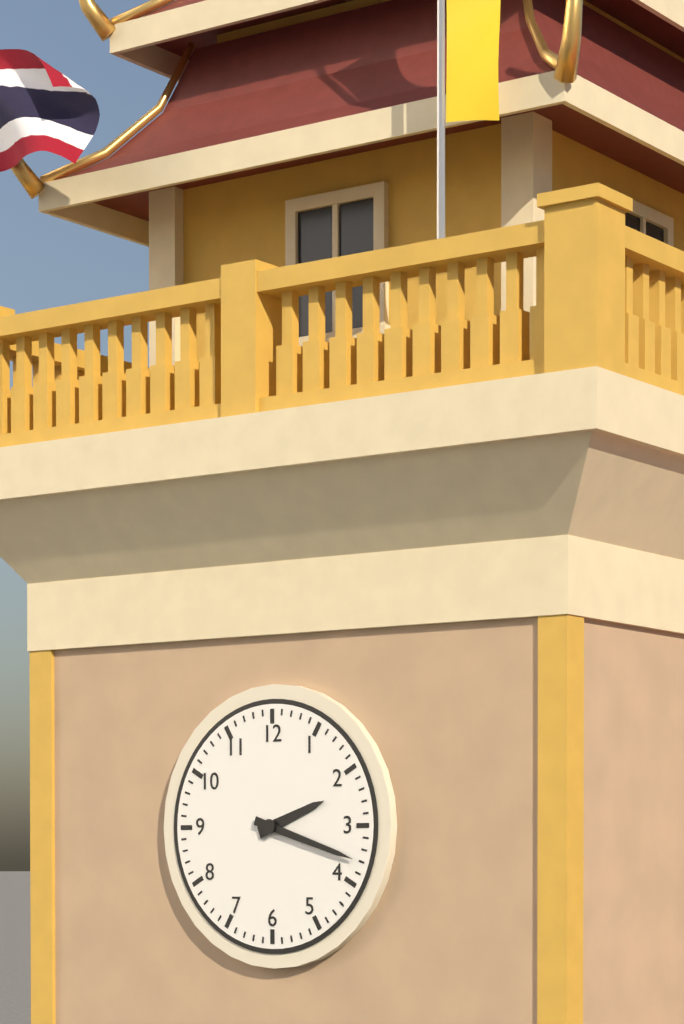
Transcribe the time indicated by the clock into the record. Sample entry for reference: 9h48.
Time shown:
2h18
